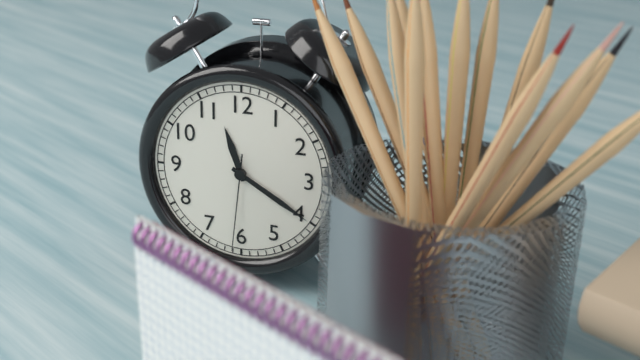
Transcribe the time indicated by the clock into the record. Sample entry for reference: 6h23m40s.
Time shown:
11h20m31s
